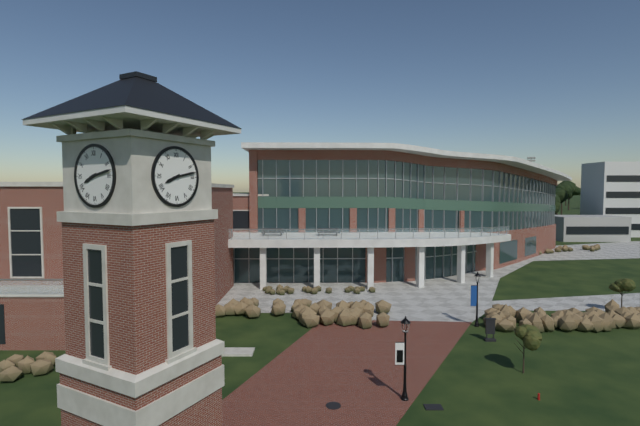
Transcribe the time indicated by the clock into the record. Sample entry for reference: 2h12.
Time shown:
8h13
